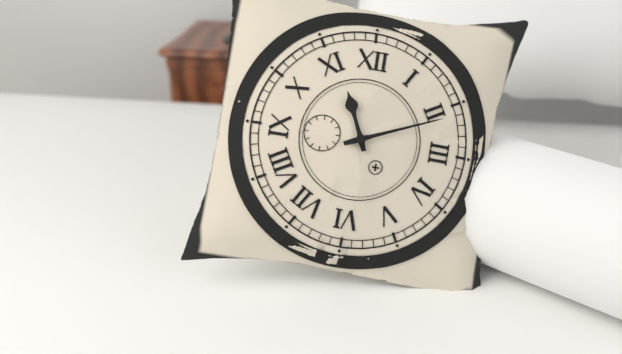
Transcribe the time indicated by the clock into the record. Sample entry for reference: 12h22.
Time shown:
11h11
